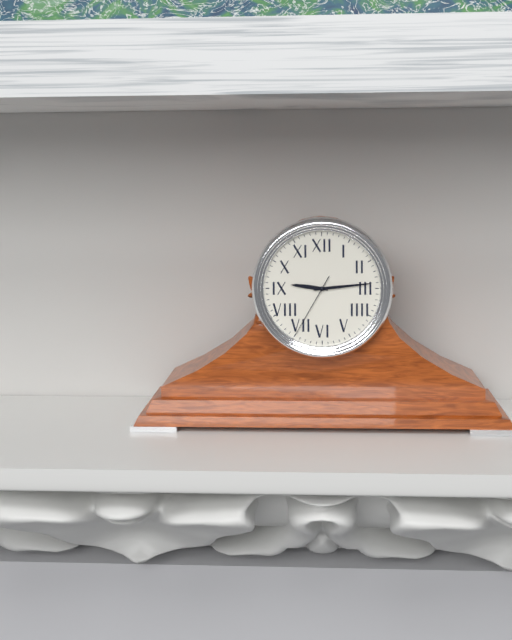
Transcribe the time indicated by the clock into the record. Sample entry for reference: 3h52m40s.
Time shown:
9h14m35s
